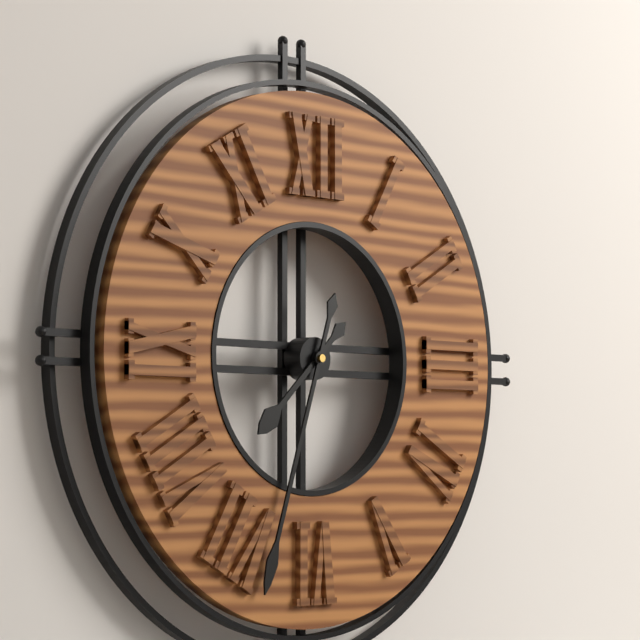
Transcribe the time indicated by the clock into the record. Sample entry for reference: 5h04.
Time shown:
7h33
